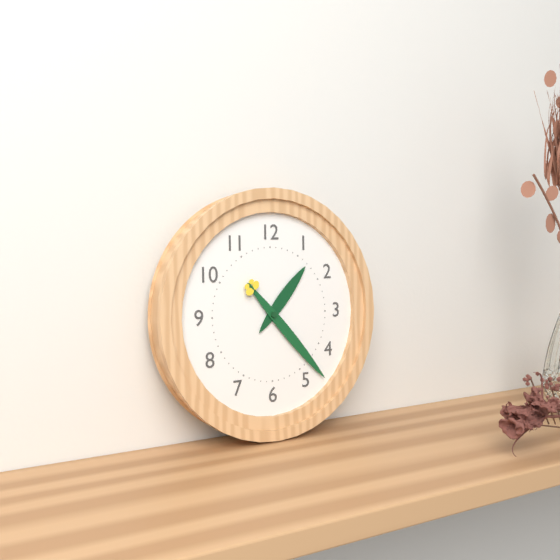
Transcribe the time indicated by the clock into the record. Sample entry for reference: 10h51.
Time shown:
1h23
